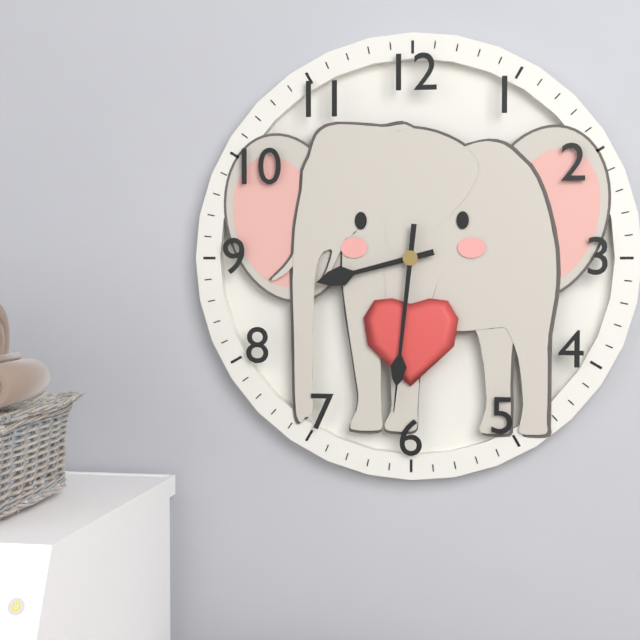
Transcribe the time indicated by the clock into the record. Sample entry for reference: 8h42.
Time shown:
8h31
